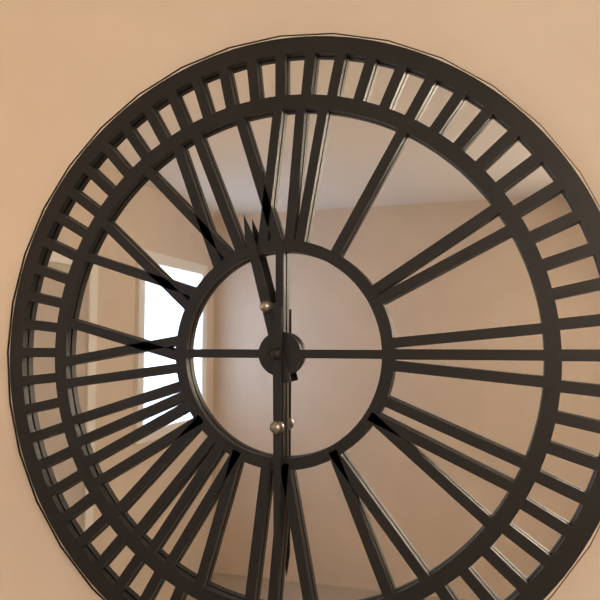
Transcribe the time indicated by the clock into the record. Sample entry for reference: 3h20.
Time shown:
11h30
